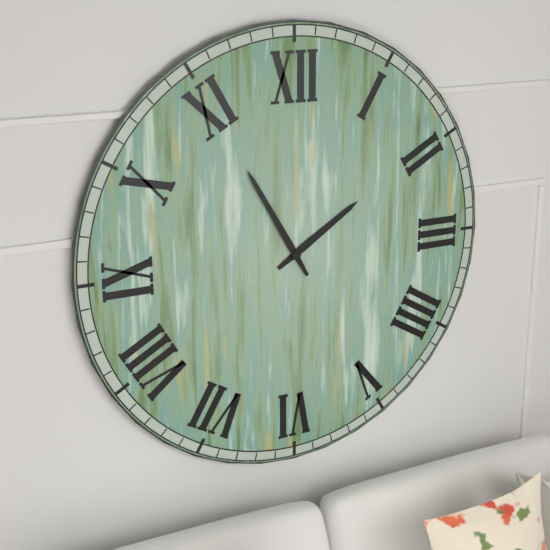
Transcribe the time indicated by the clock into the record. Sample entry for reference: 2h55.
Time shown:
1h55
